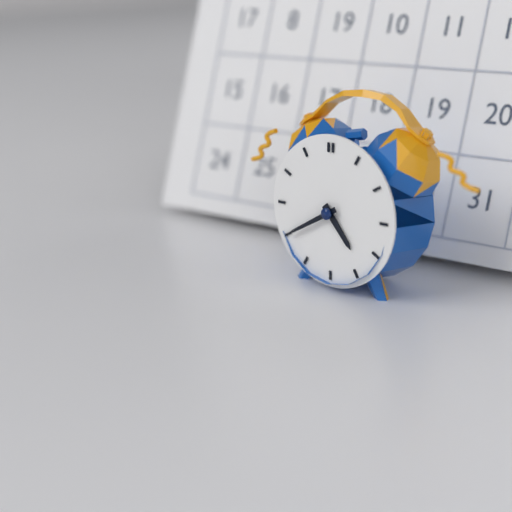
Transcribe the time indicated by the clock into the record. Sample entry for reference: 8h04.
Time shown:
4h40
